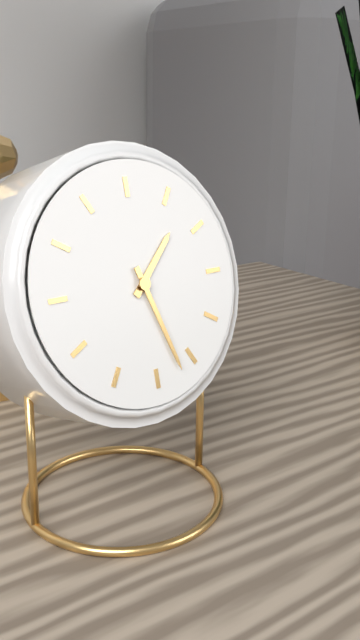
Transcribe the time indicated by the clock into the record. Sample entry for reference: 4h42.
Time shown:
1h27
